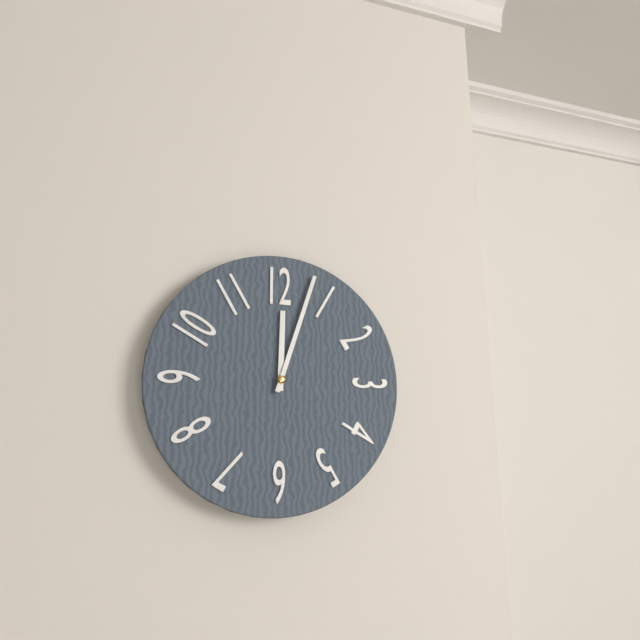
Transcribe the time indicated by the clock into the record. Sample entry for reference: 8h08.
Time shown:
12h03
